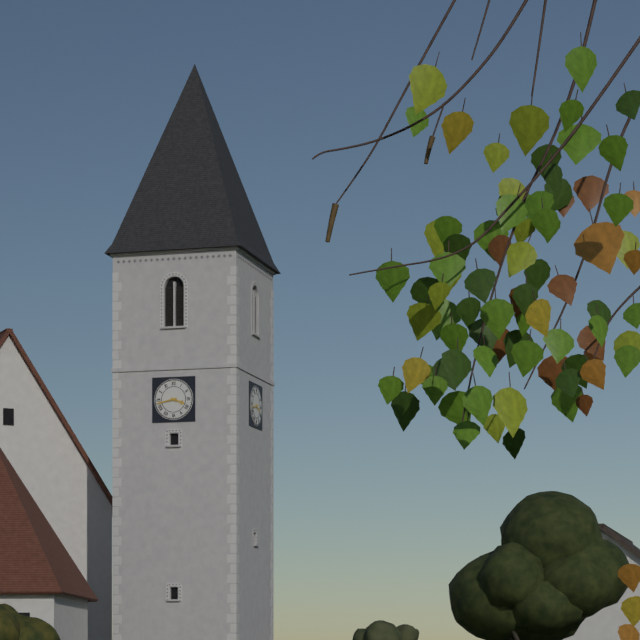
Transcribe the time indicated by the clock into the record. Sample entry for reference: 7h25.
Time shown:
3h43
